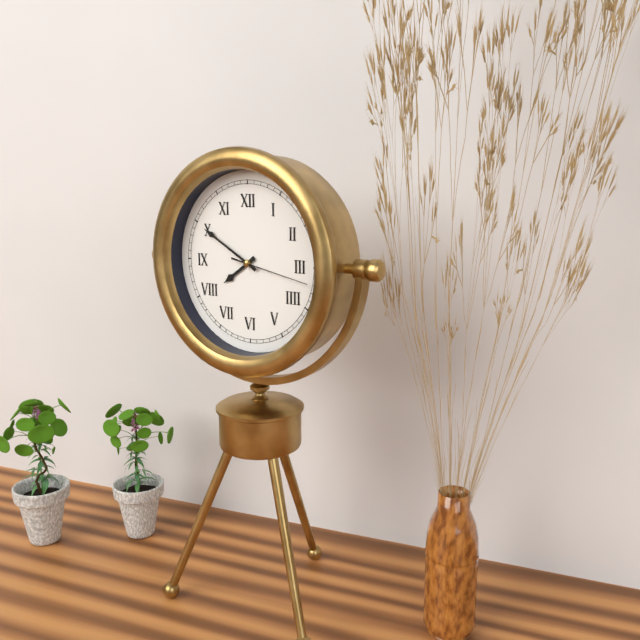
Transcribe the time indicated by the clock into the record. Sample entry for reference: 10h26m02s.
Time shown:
7h50m17s
